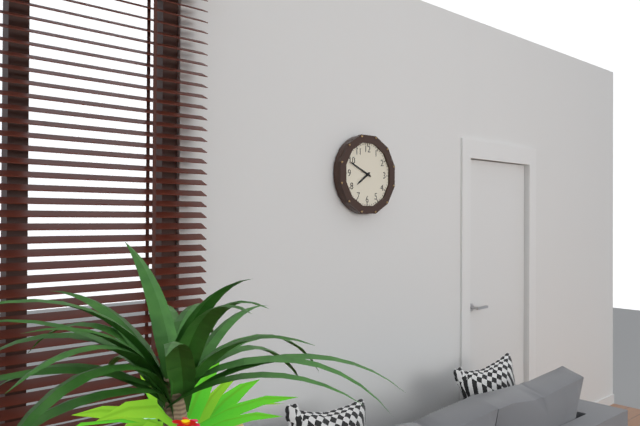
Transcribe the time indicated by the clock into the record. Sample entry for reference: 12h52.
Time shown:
7h49
